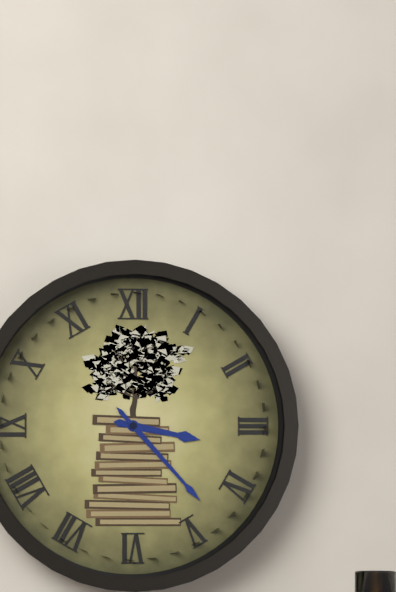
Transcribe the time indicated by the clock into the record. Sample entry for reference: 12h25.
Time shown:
3h23
